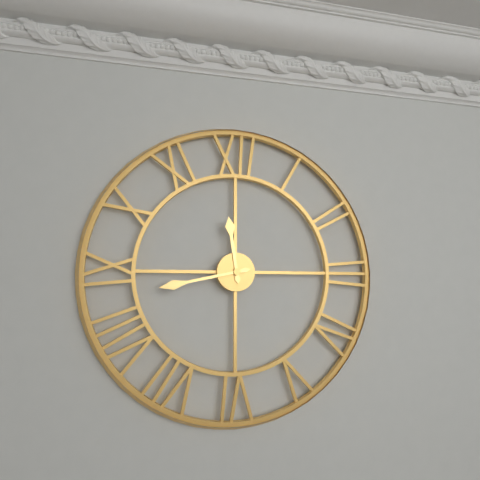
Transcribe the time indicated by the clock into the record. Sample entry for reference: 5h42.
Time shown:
11h43
